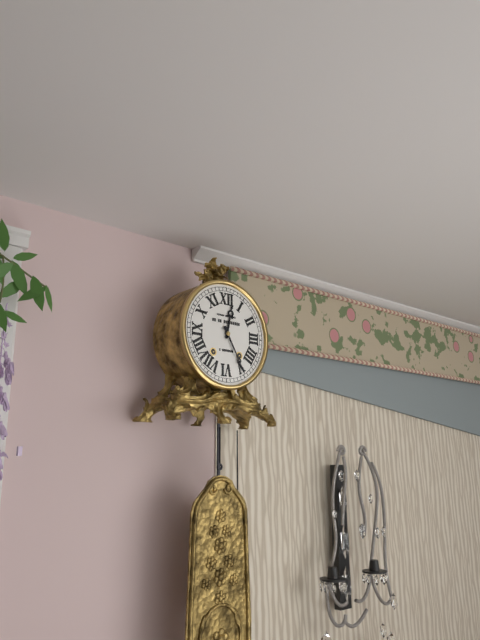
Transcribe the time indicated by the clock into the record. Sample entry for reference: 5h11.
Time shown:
12h25
